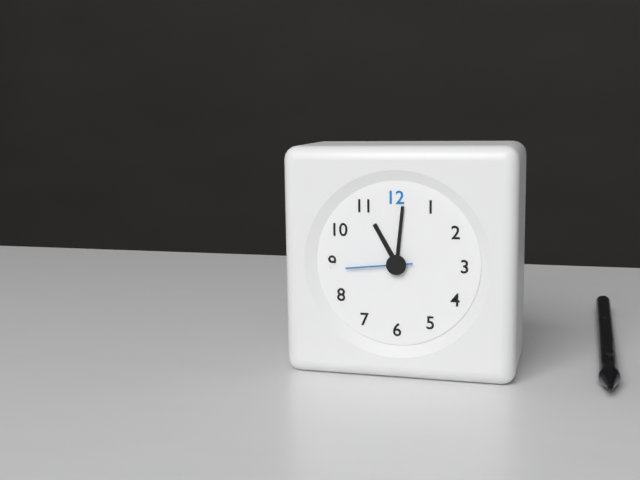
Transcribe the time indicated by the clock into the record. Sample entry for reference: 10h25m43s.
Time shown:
11h01m44s
